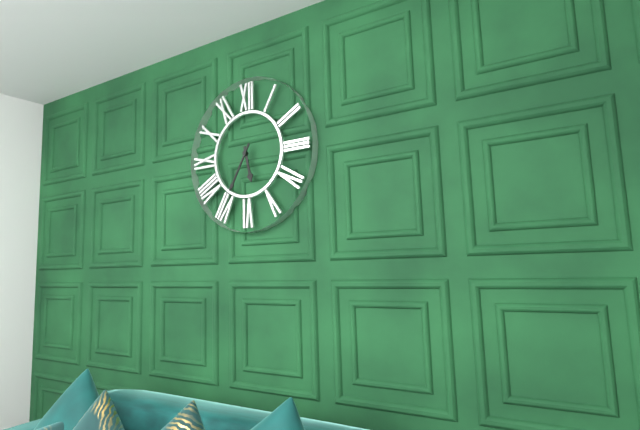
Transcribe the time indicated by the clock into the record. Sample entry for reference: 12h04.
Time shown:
5h35
